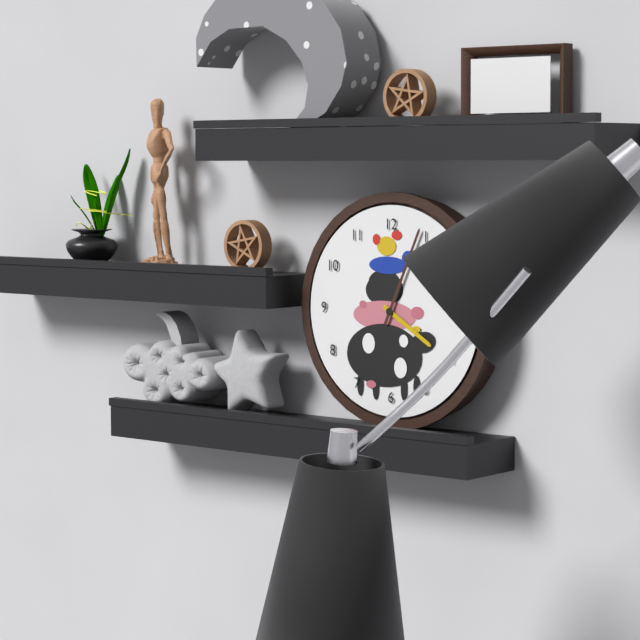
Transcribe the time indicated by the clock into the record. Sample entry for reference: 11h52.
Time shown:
4h04
